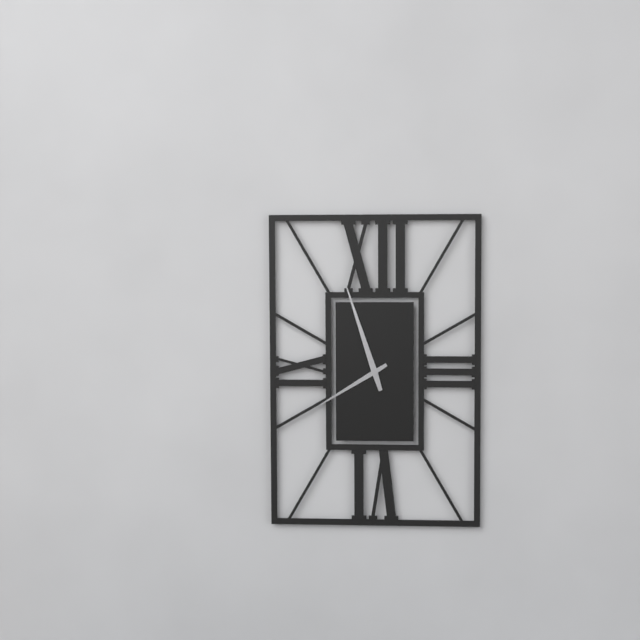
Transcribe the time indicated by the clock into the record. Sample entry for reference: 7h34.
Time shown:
7h57
